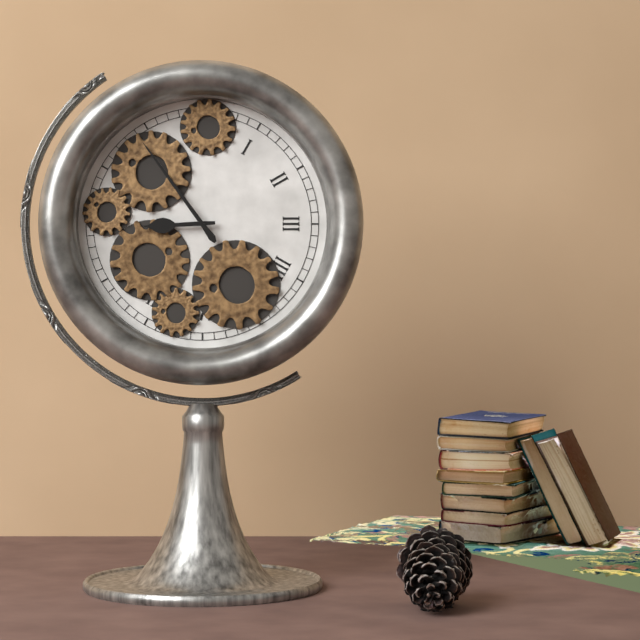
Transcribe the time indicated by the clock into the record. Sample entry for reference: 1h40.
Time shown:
8h54
